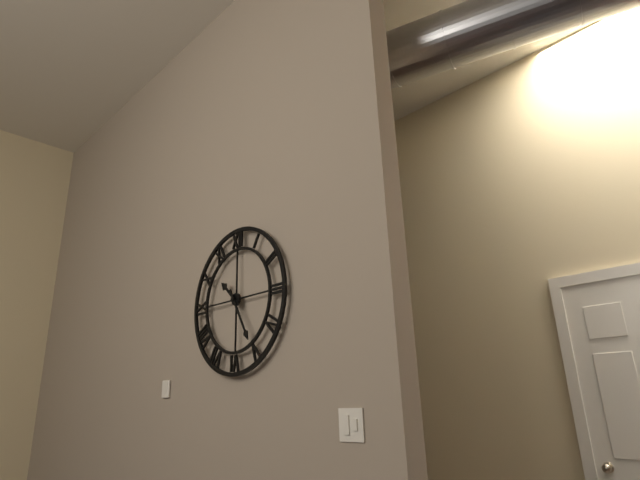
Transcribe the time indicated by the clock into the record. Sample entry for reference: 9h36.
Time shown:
10h25
